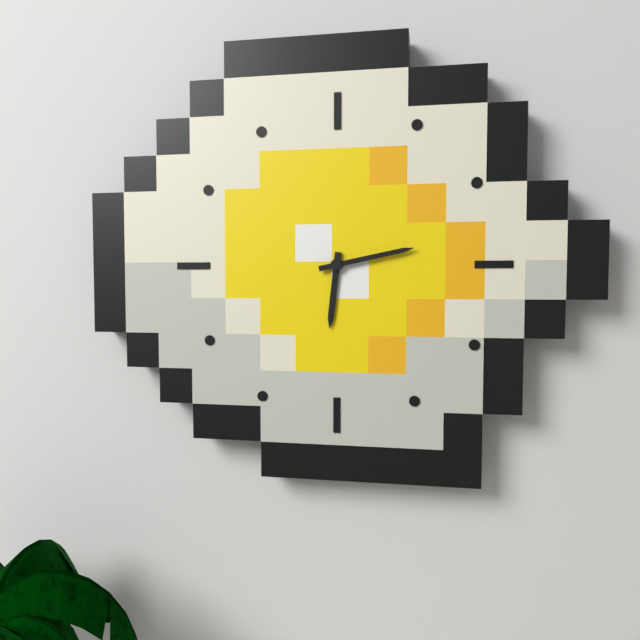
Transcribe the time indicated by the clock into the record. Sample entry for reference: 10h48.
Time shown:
6h13
